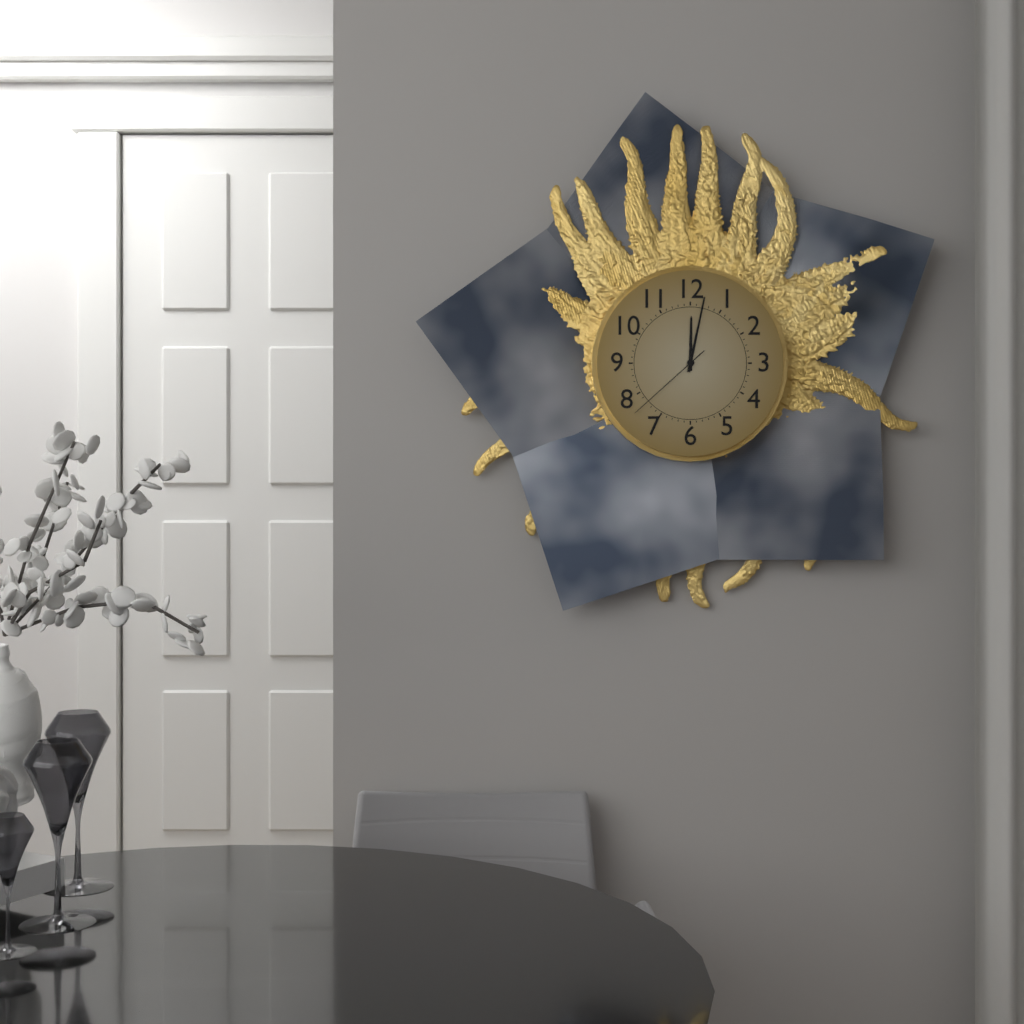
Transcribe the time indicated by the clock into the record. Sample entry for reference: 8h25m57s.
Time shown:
12h02m38s
